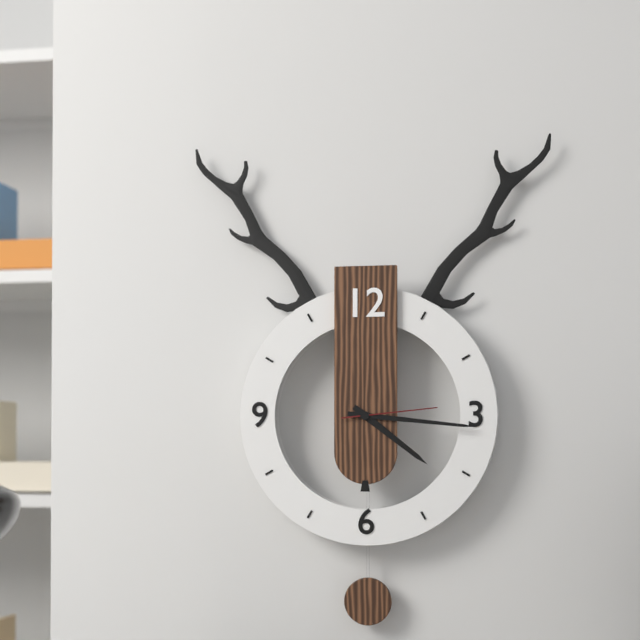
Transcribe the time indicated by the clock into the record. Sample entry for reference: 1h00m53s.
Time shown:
4h16m14s
